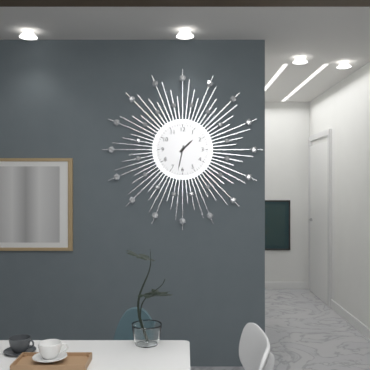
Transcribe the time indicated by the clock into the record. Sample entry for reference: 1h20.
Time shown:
1h32
